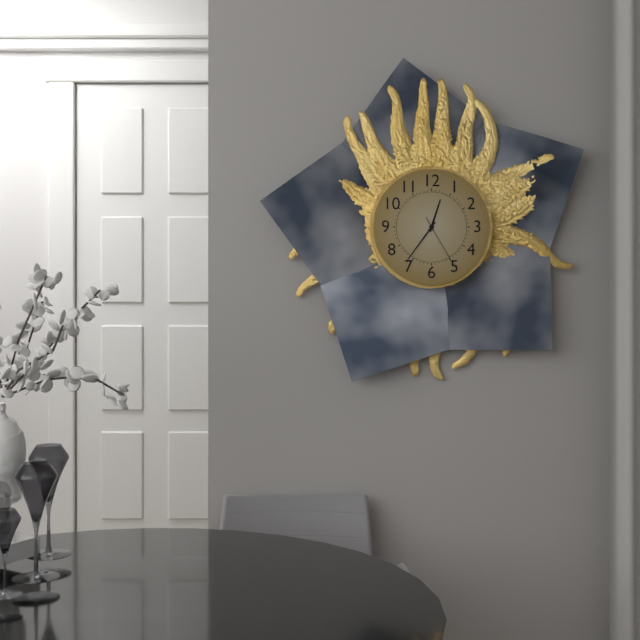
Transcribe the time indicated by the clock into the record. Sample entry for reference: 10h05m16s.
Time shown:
12h36m25s
